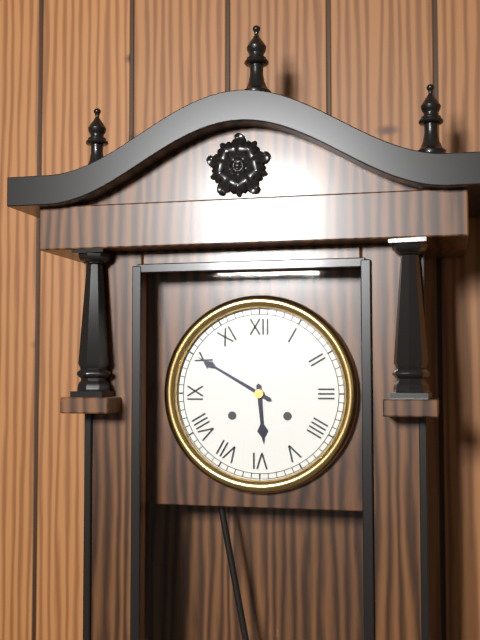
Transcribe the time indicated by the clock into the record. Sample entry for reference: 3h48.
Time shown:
5h50
